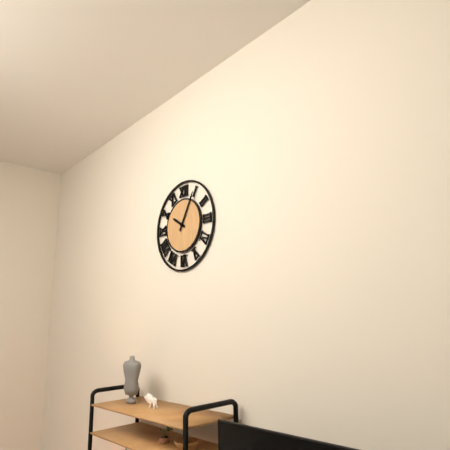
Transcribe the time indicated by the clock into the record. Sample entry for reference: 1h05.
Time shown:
10h05
